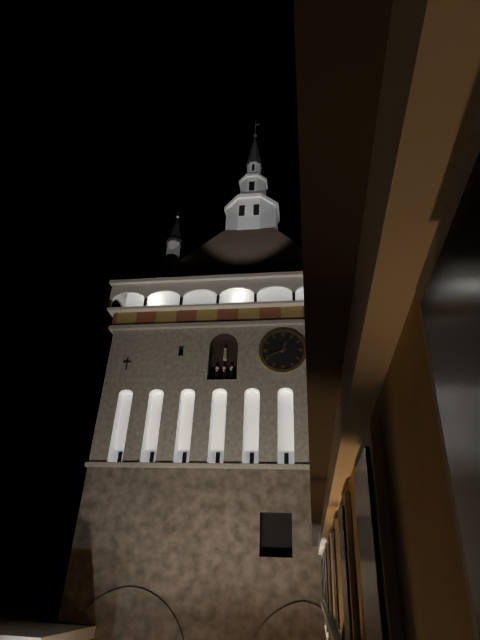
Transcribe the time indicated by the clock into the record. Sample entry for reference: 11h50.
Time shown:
12h41
